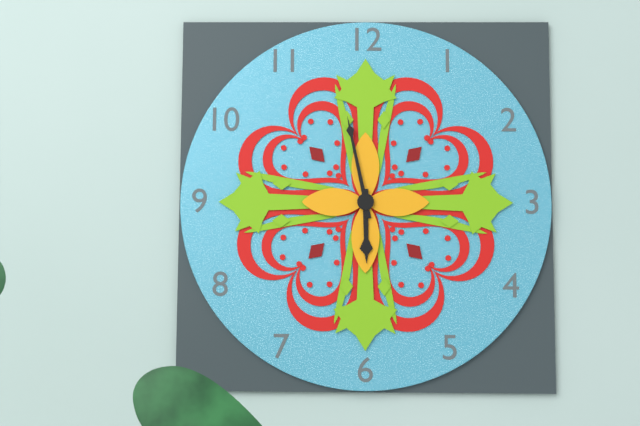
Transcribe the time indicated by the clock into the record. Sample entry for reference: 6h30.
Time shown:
5h58
